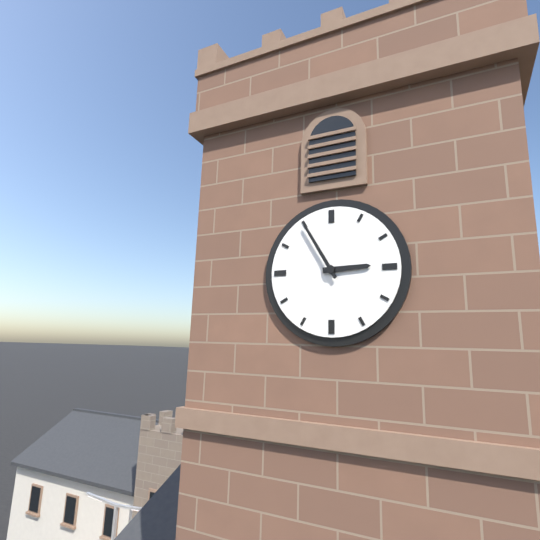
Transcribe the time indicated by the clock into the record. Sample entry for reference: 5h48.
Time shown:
2h55
